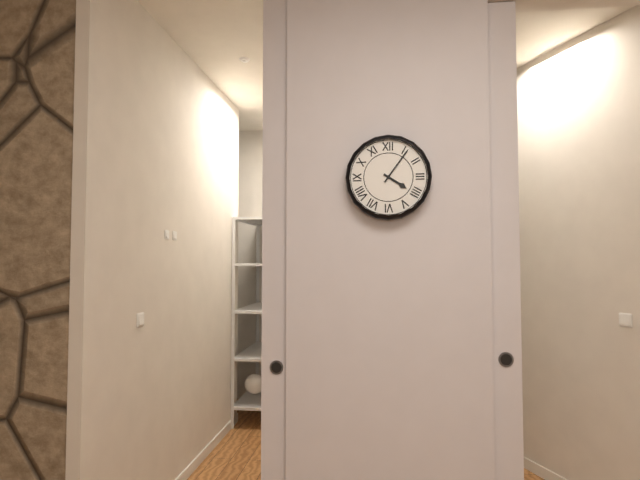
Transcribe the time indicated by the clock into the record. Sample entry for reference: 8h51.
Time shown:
4h06
